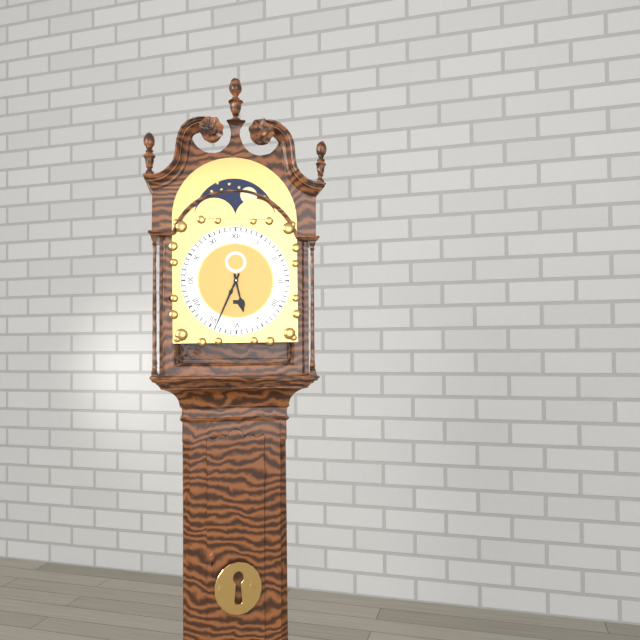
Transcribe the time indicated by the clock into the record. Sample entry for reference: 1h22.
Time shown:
5h34
